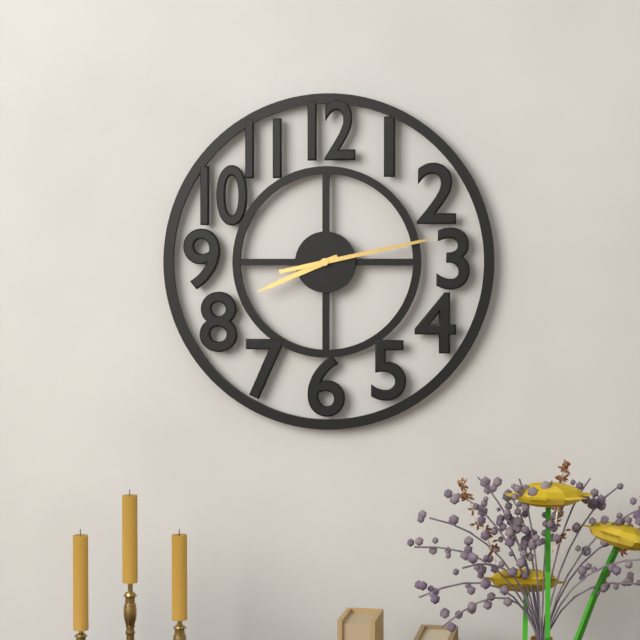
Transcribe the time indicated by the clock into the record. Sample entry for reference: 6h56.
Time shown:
8h13
